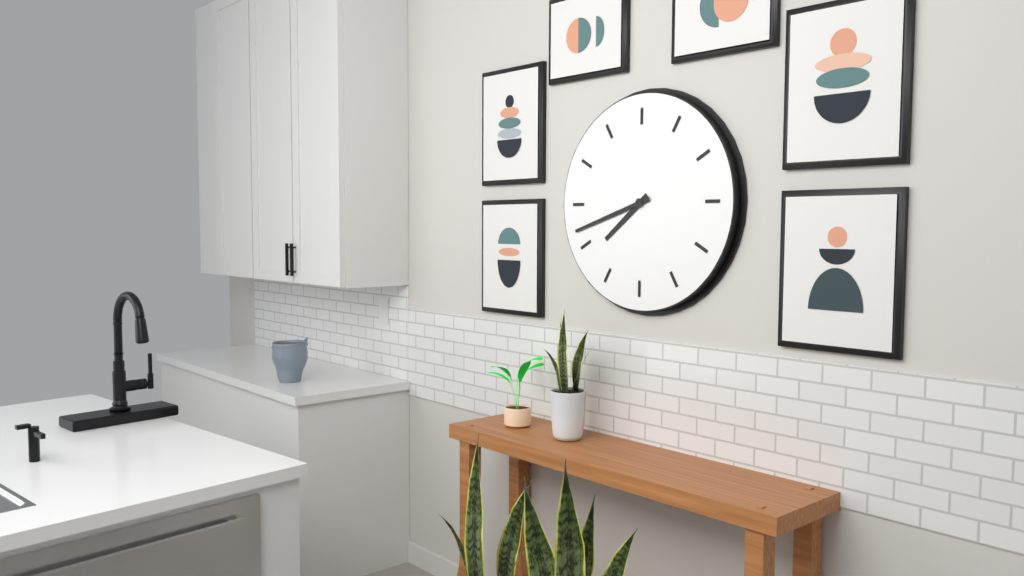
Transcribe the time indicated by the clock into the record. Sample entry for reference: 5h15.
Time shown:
7h42
